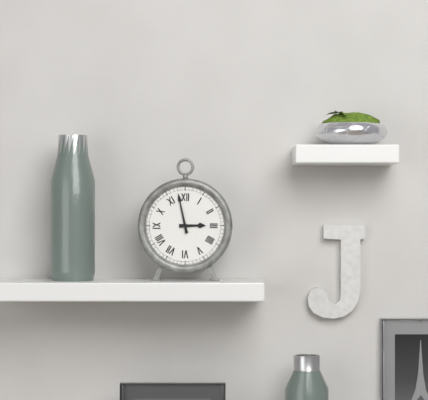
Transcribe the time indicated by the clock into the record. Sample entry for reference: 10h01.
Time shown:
2h58
